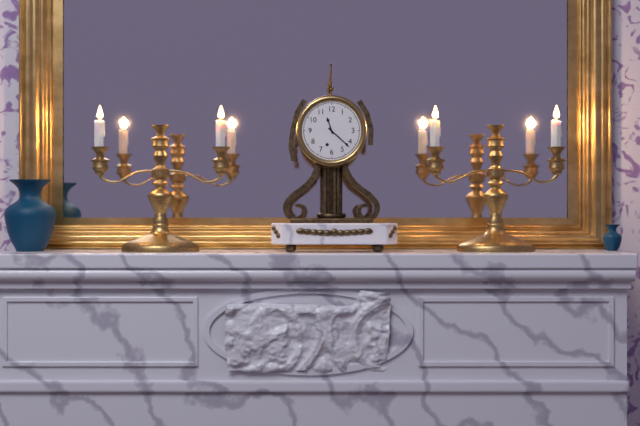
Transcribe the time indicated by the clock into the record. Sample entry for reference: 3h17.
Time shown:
11h22
